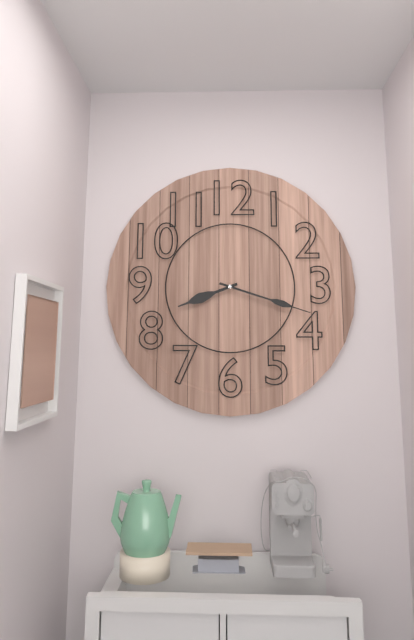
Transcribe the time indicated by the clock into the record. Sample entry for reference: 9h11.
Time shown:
8h18
